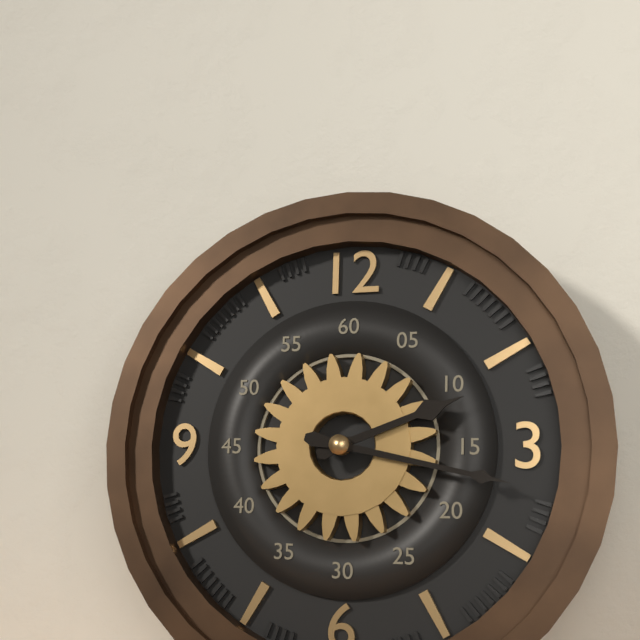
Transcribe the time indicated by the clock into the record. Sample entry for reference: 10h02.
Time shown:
2h17
